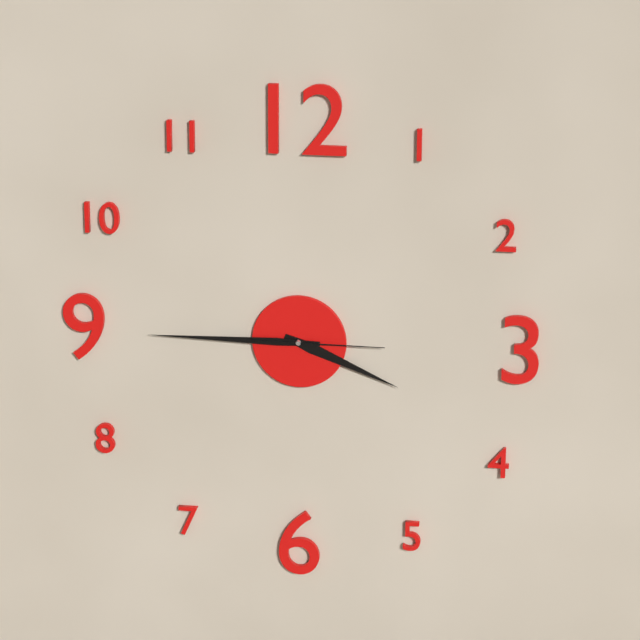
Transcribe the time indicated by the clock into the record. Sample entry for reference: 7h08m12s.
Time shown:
3h45m15s
